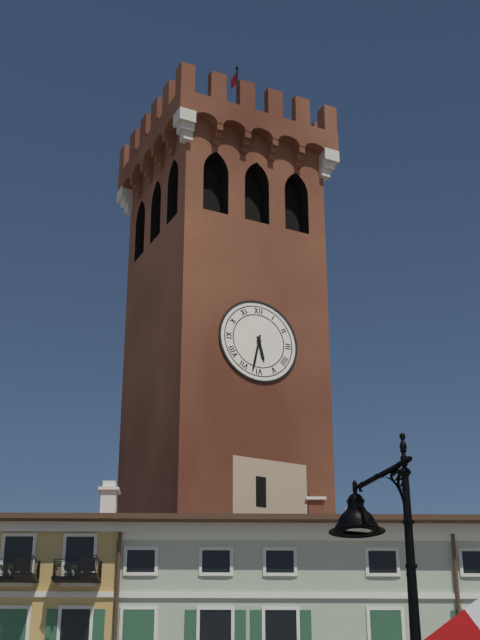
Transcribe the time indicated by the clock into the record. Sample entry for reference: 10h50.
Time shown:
5h32
